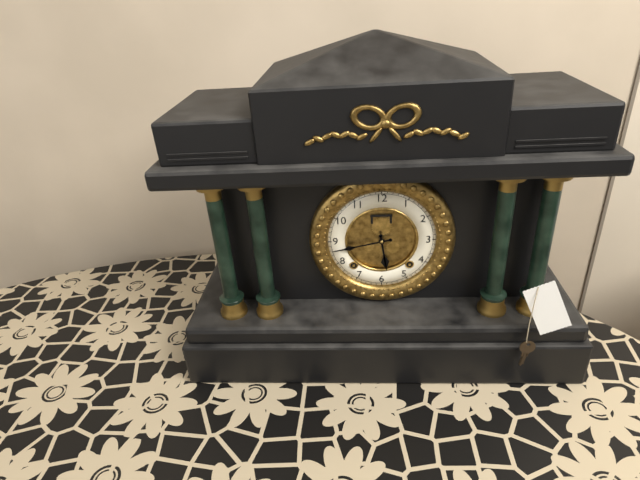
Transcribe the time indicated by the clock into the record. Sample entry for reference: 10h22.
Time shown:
5h43
